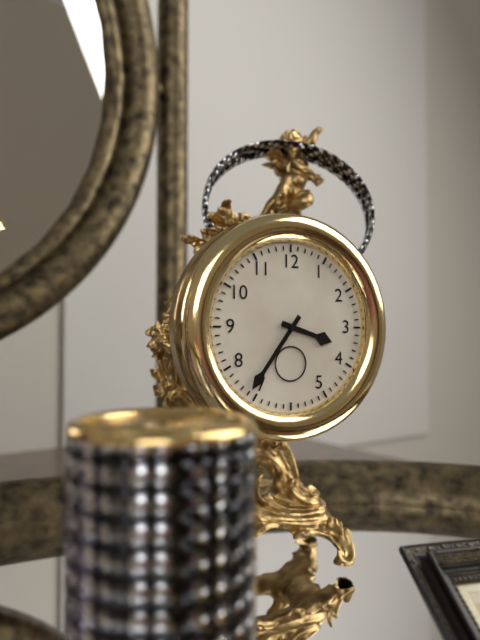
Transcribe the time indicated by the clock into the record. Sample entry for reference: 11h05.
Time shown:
3h36
